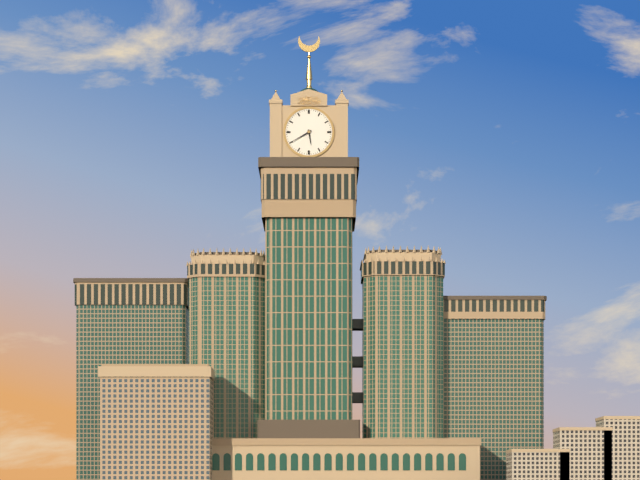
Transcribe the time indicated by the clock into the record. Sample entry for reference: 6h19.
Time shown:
5h40
